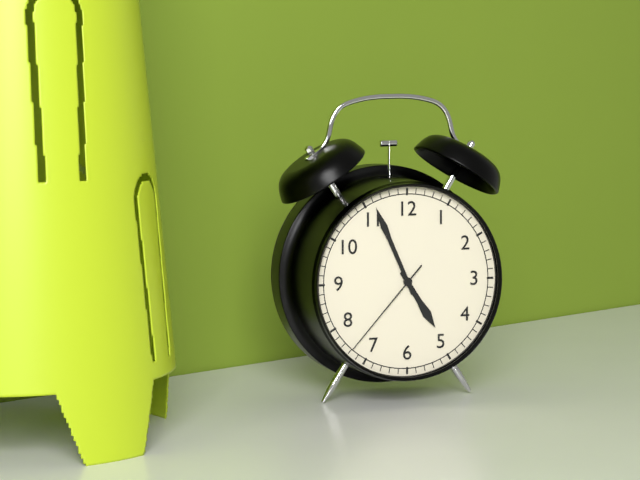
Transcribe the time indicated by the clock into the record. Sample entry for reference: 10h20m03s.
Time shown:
4h56m37s
